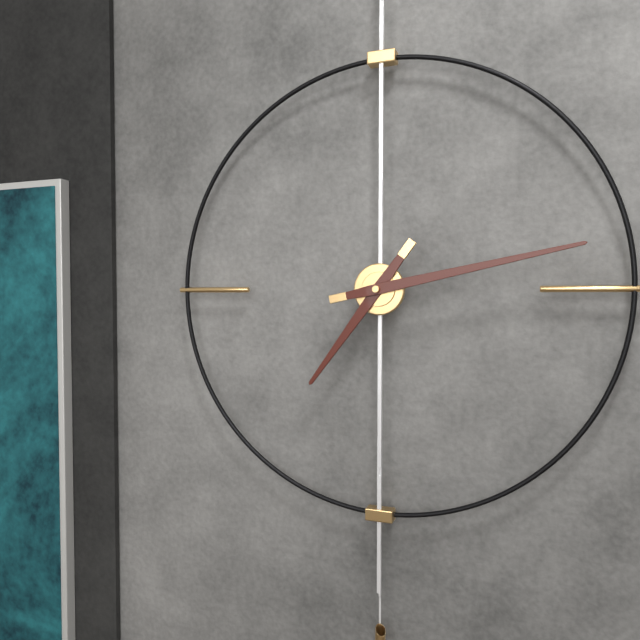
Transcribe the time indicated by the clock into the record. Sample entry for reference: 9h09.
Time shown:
7h13
